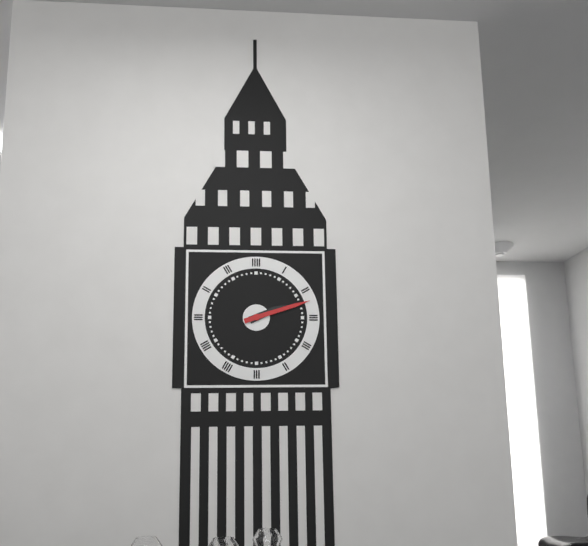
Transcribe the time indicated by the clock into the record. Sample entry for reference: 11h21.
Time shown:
2h12
